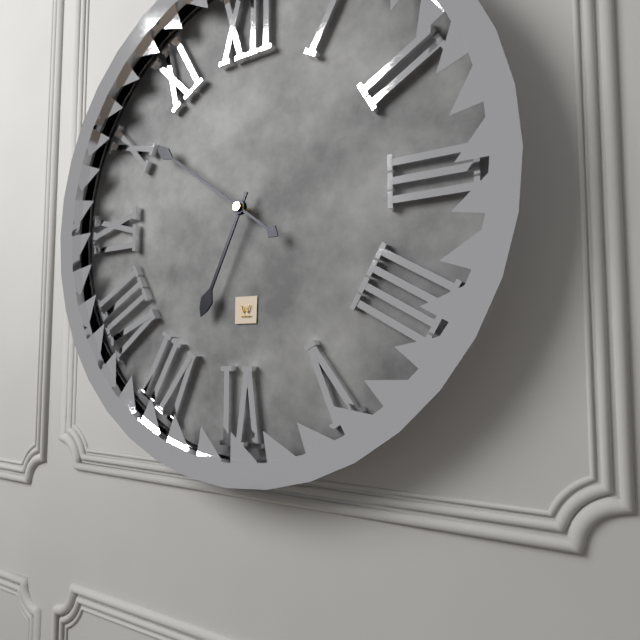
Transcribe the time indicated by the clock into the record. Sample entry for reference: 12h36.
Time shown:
6h51
